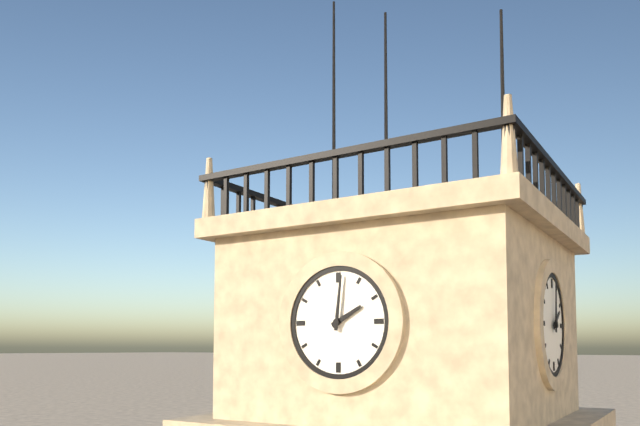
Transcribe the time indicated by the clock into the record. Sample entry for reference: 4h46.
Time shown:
2h01
